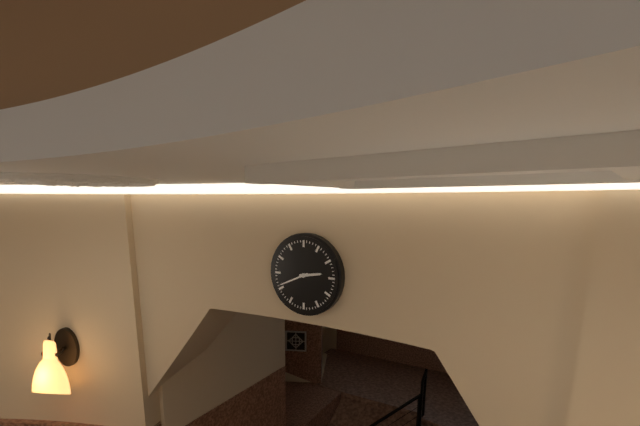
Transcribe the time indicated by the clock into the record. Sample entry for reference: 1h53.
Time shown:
2h41
